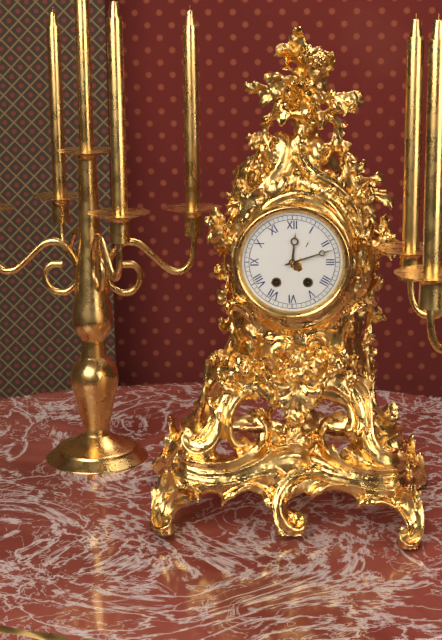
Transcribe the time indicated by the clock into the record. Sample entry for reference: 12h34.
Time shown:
12h12
